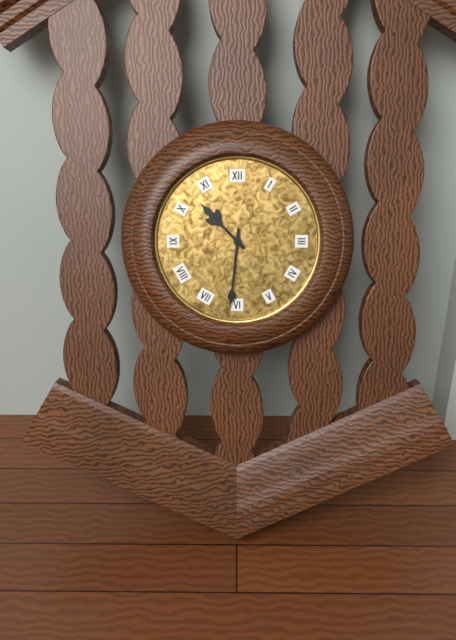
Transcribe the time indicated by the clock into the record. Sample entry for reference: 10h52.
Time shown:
10h31
